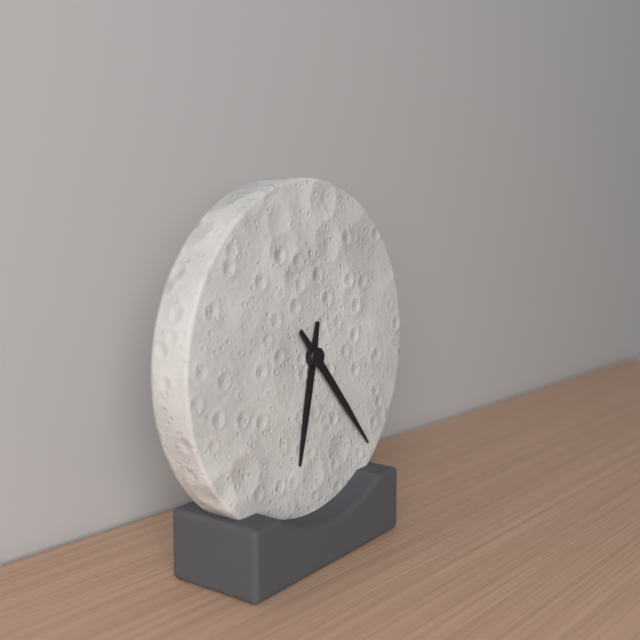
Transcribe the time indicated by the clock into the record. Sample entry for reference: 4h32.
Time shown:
6h23
